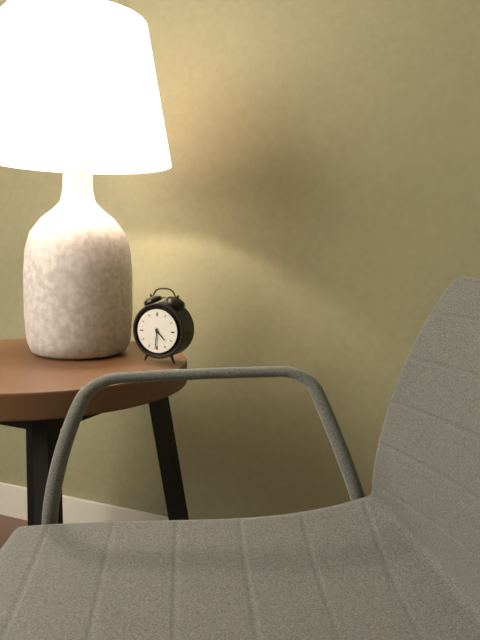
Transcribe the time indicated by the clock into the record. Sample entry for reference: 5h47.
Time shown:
4h31
